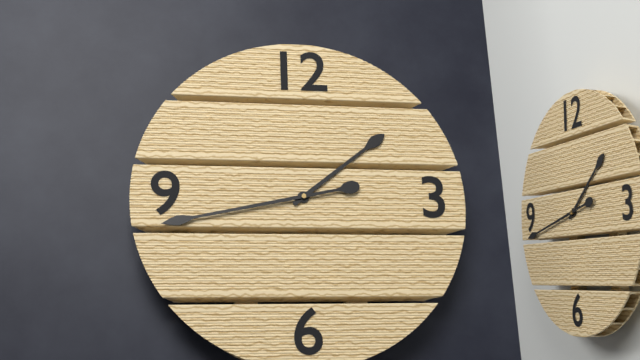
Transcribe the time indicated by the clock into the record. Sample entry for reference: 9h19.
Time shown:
1h43
